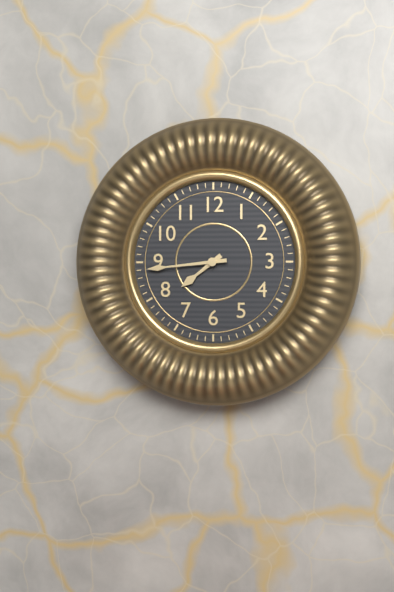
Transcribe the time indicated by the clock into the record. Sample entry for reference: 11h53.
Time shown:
7h44
